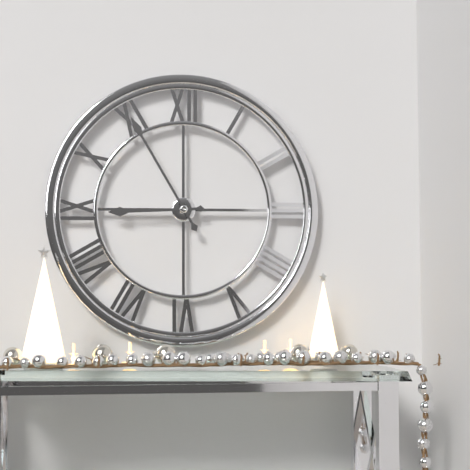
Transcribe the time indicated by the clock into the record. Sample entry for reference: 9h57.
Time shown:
8h55
